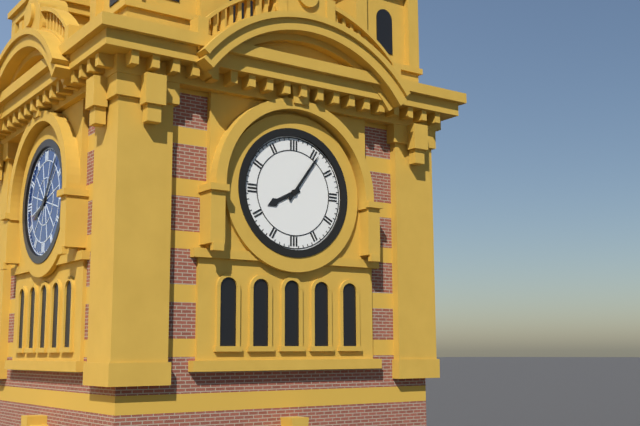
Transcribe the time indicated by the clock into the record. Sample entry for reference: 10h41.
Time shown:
8h06
